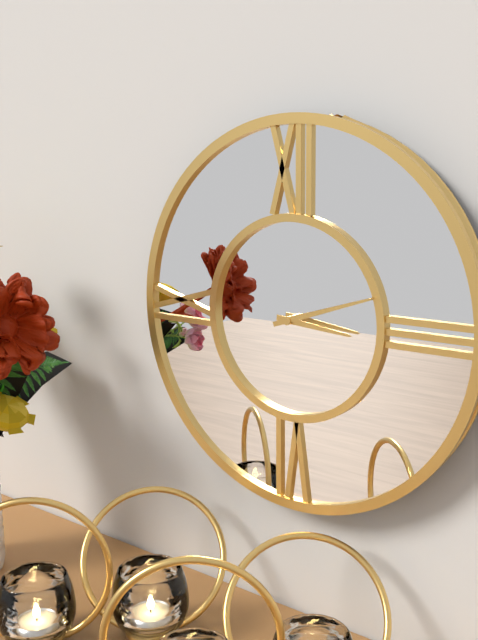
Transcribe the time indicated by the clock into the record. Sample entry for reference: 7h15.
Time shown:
3h12
